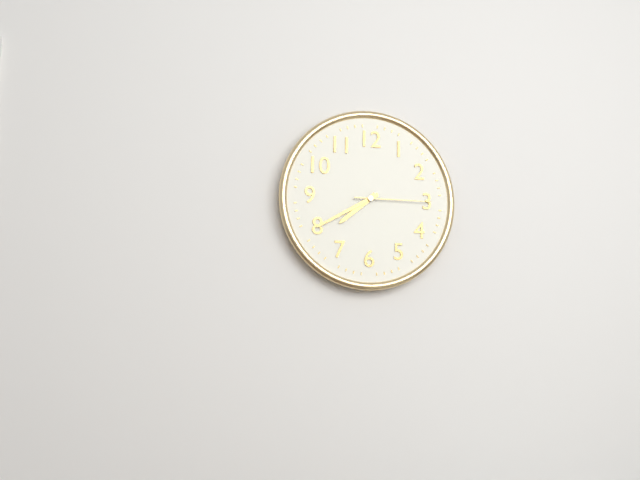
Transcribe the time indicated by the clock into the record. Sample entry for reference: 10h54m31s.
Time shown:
7h40m15s
